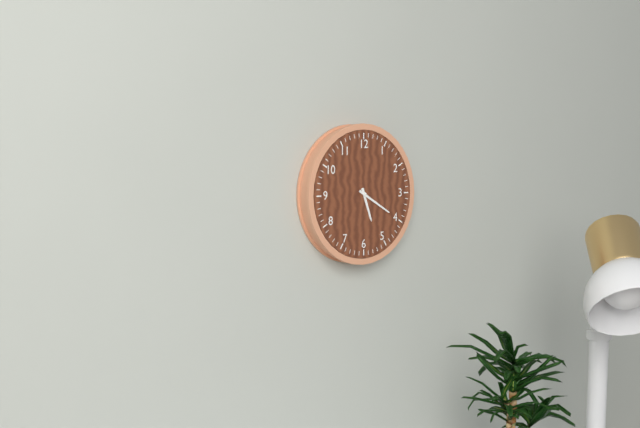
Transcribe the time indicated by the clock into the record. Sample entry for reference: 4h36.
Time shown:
5h20
